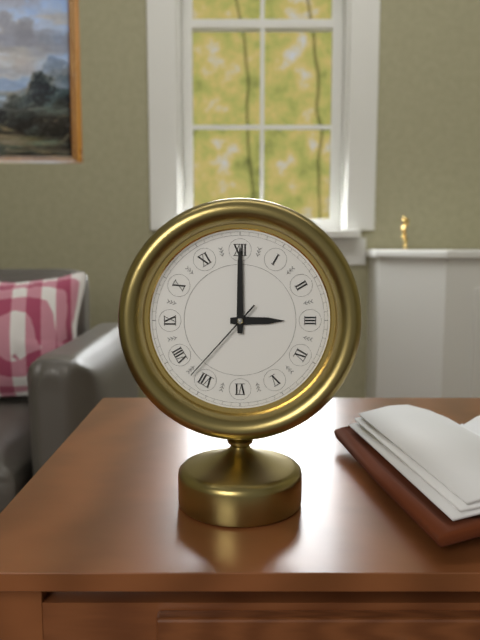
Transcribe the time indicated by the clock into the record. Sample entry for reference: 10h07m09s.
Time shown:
3h00m37s
